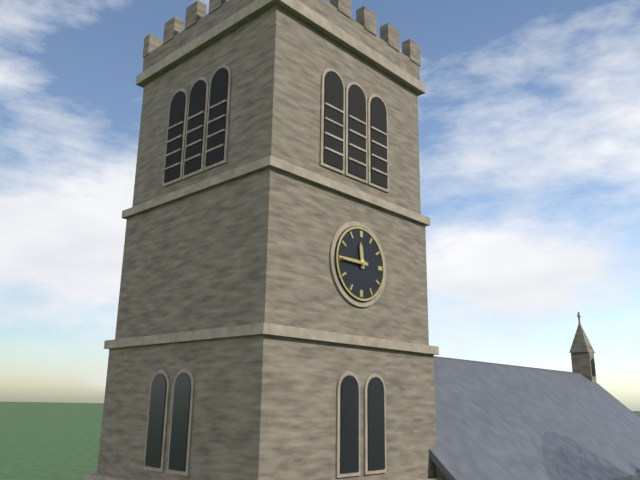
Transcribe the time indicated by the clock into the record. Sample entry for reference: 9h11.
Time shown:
11h45
